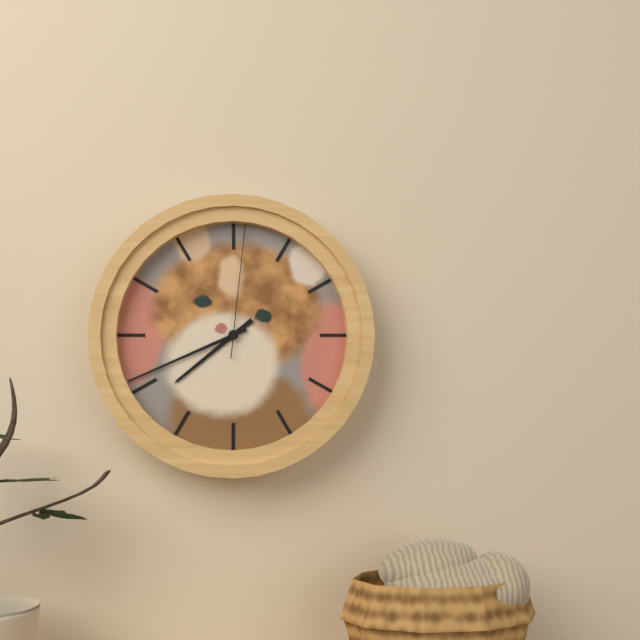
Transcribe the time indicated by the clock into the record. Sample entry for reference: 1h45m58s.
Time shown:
7h41m01s
